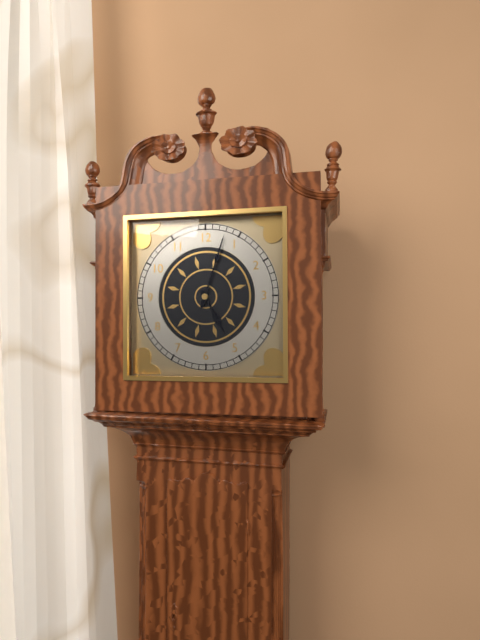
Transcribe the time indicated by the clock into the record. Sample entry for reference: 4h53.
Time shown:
5h03
